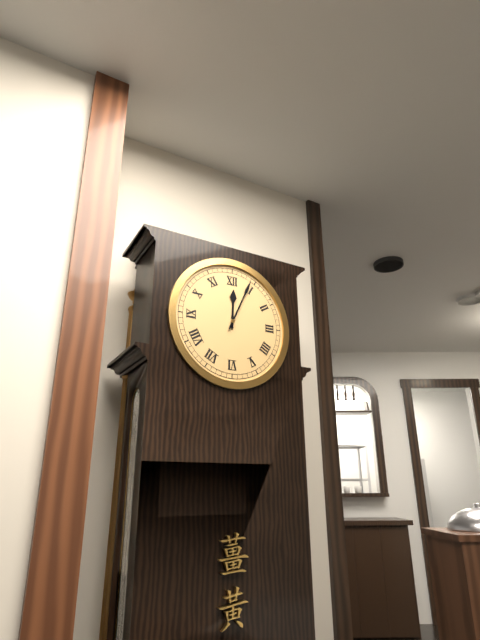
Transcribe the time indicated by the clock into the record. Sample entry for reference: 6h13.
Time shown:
12h04
